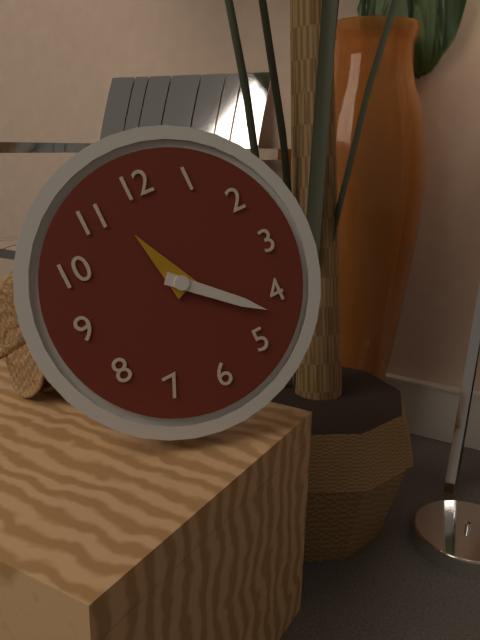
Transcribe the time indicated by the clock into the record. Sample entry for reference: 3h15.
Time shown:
11h22
